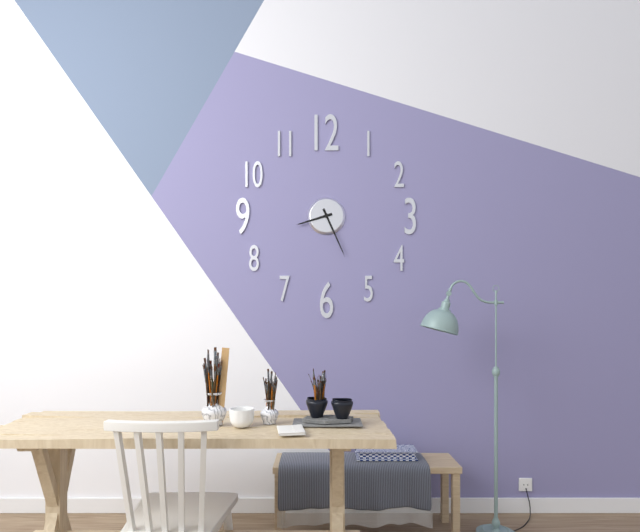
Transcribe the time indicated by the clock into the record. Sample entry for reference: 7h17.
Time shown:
8h26
